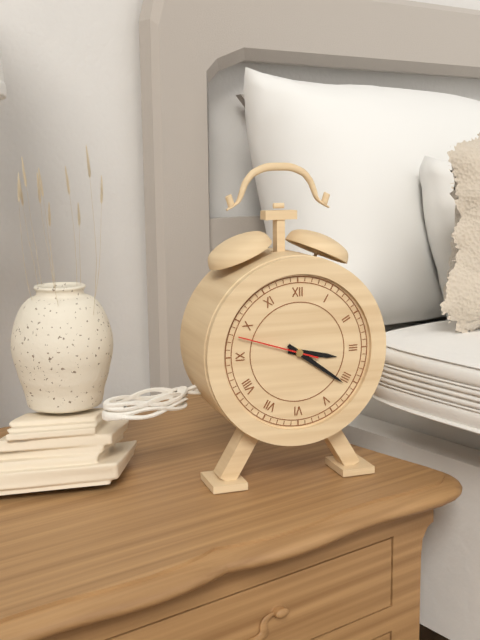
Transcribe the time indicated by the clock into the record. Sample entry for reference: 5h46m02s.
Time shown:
3h21m48s
